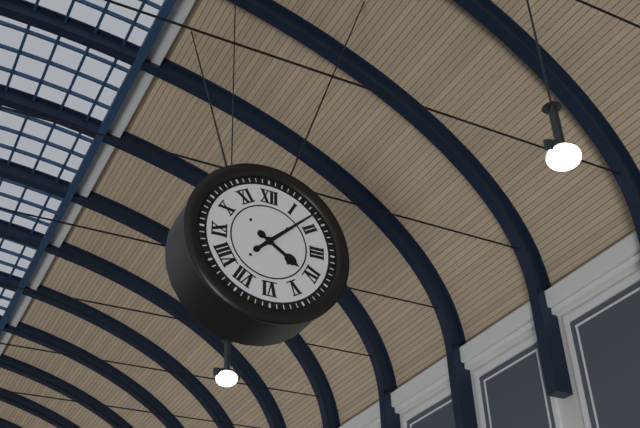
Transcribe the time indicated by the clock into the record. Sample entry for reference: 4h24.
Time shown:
4h08
